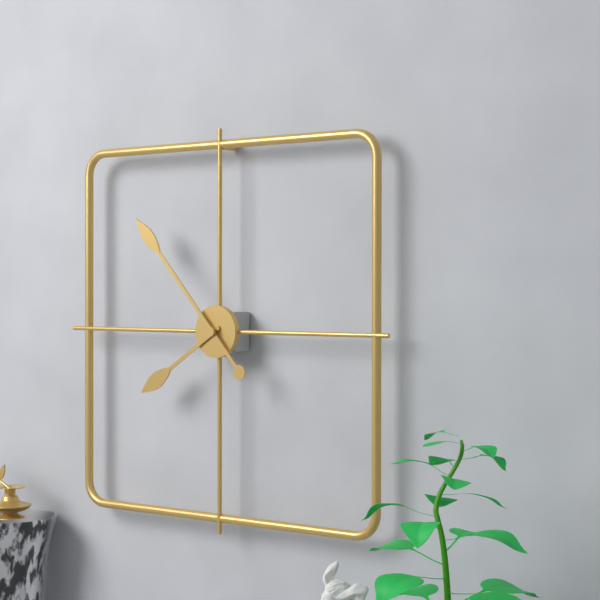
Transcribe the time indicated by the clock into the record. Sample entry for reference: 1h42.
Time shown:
7h53
